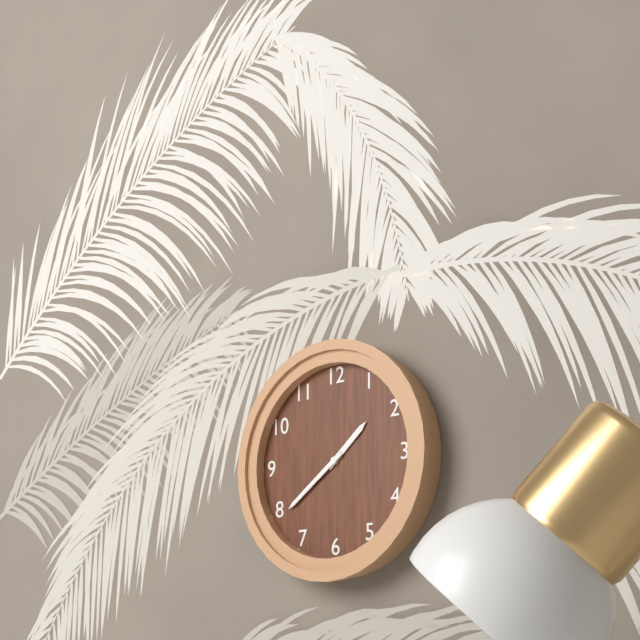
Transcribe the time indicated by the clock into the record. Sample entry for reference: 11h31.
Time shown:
1h39
